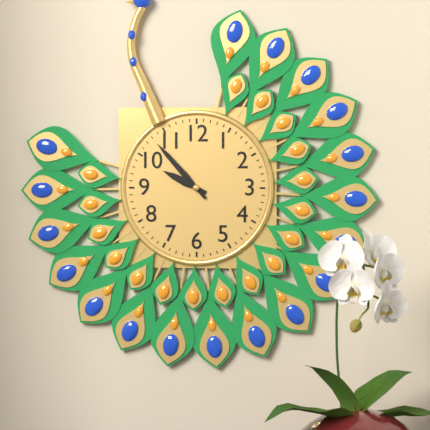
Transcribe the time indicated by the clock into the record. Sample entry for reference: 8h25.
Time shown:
9h53
